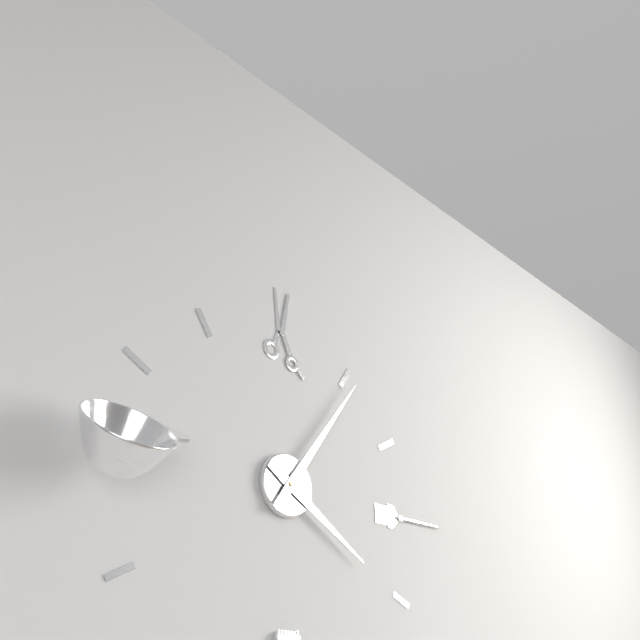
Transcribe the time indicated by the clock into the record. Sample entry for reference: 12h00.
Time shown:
4h06
